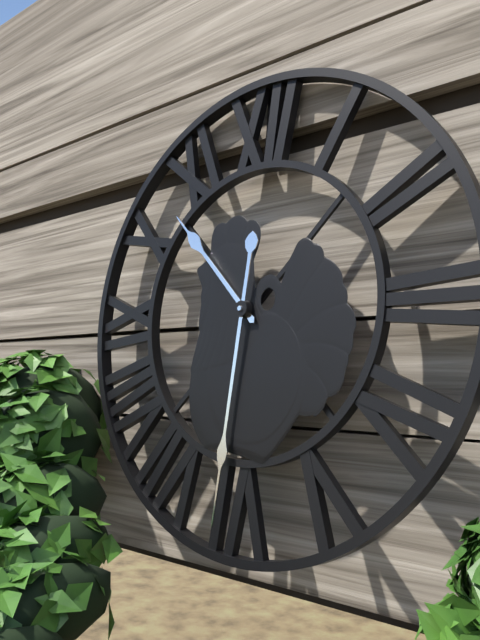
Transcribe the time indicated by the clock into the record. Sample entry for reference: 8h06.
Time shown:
10h31
